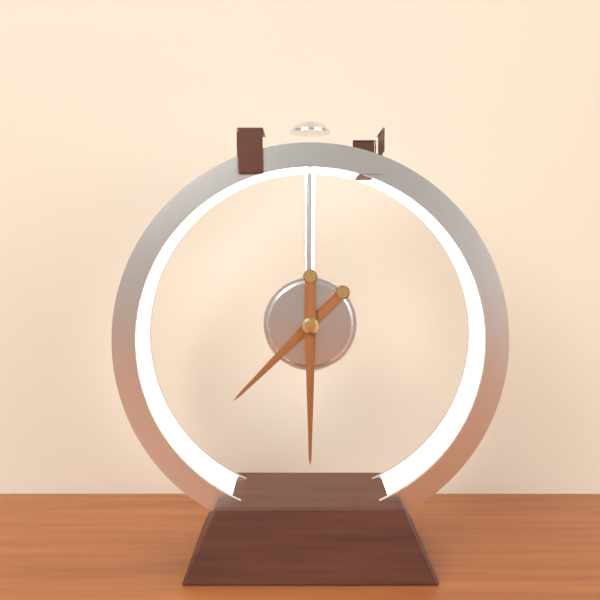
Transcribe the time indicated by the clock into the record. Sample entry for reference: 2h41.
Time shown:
7h30
